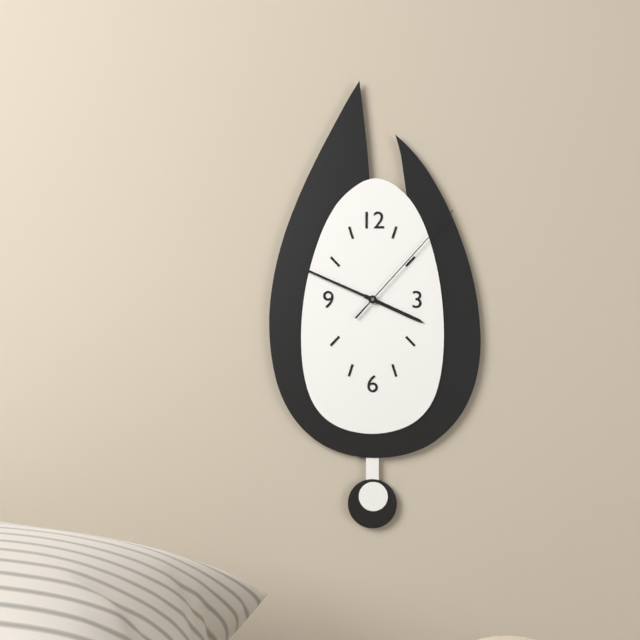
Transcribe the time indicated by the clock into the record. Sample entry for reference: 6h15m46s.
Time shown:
3h49m07s
